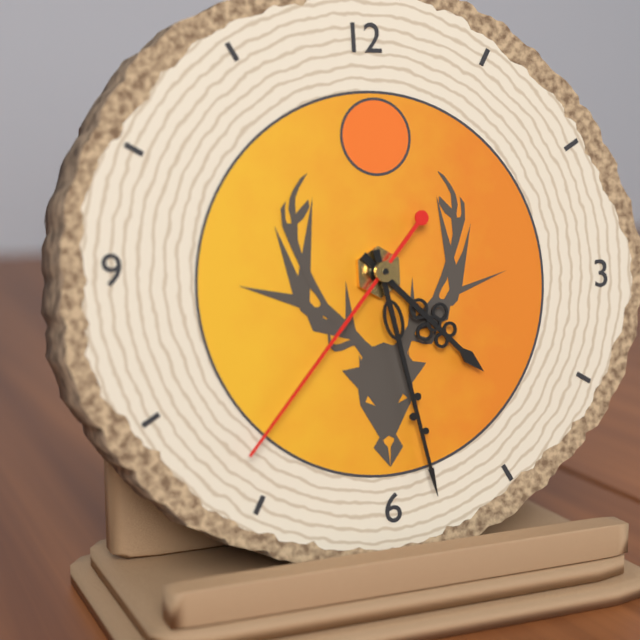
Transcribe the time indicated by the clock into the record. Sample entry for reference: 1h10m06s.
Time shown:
4h28m37s
